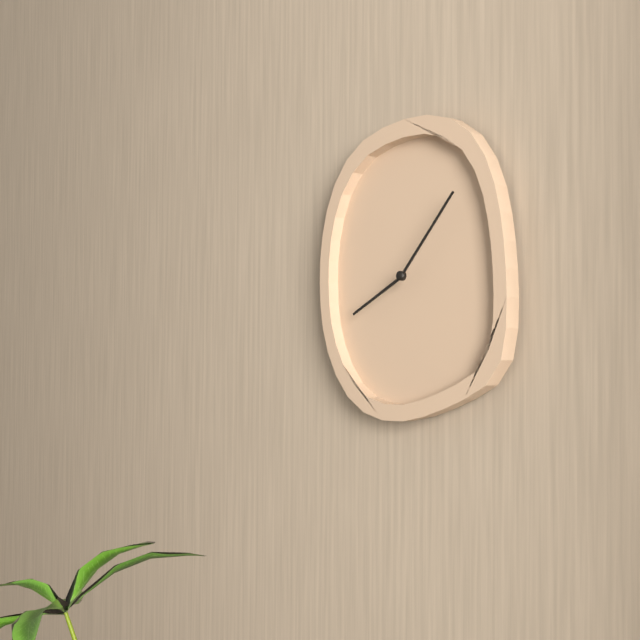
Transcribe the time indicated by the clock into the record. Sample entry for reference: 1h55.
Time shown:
8h07
